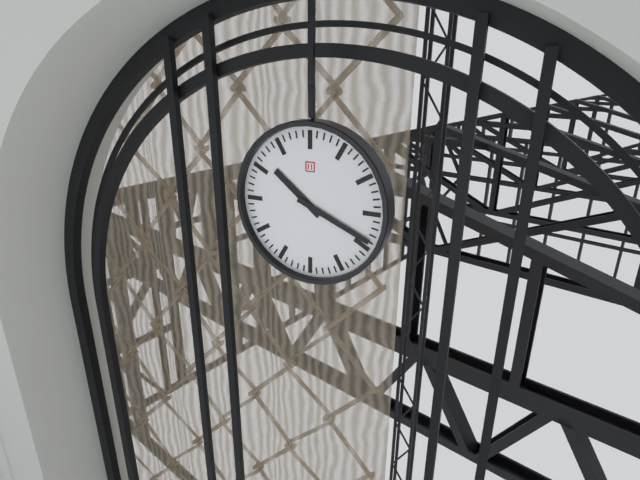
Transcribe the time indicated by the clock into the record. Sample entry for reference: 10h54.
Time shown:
10h19
